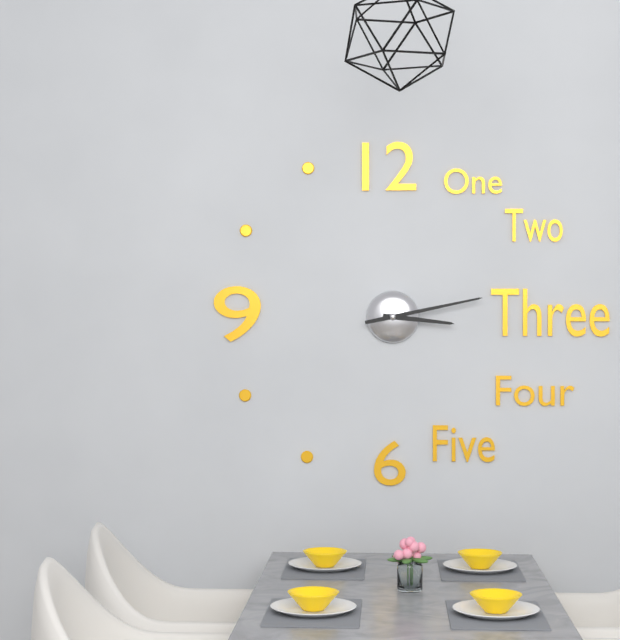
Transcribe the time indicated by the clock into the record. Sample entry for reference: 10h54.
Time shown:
3h13
